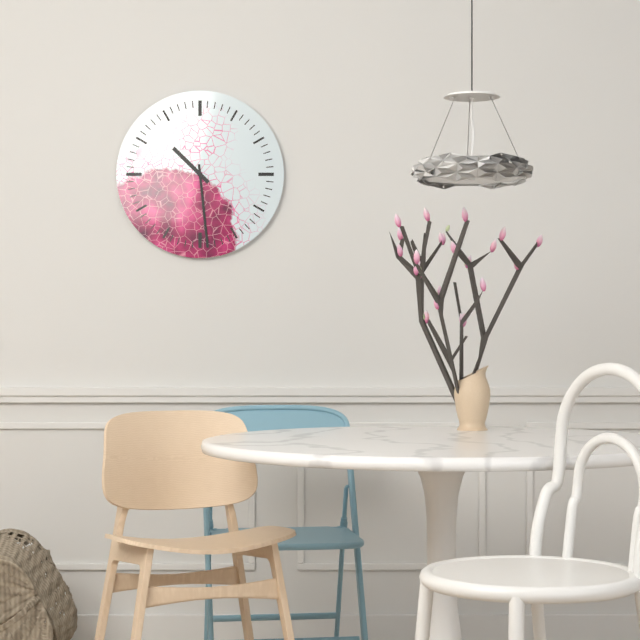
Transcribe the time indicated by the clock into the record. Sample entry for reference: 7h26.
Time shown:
10h29
